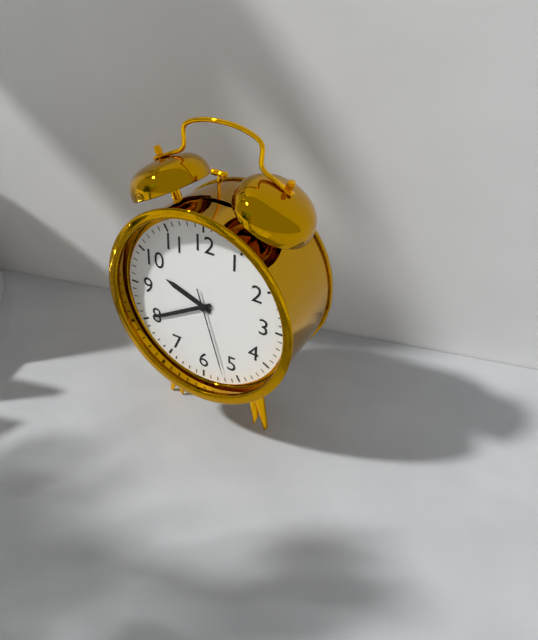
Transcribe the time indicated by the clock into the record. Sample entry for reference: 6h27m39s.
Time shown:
9h40m27s
